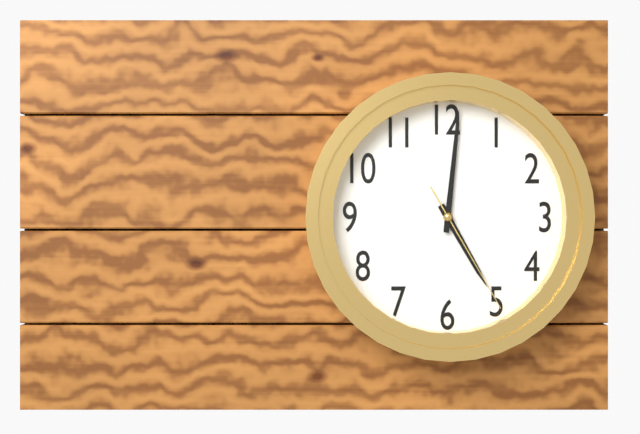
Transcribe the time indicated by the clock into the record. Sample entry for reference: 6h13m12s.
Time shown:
5h01m25s
